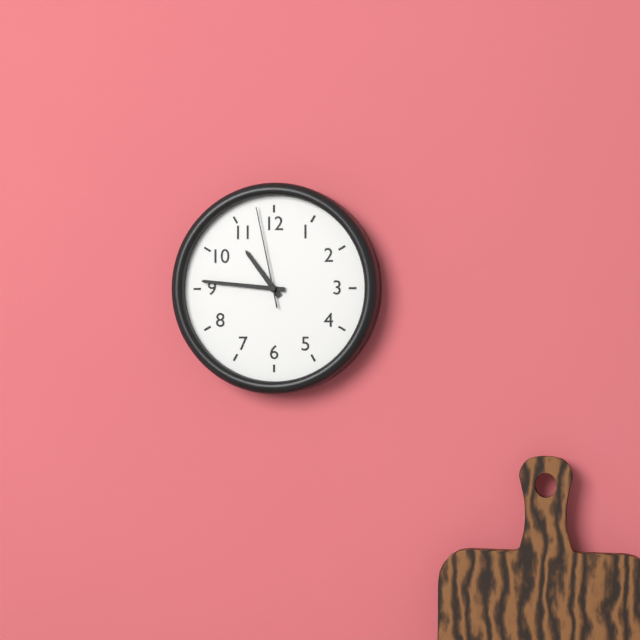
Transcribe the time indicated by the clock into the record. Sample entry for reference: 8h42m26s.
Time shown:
10h46m58s
